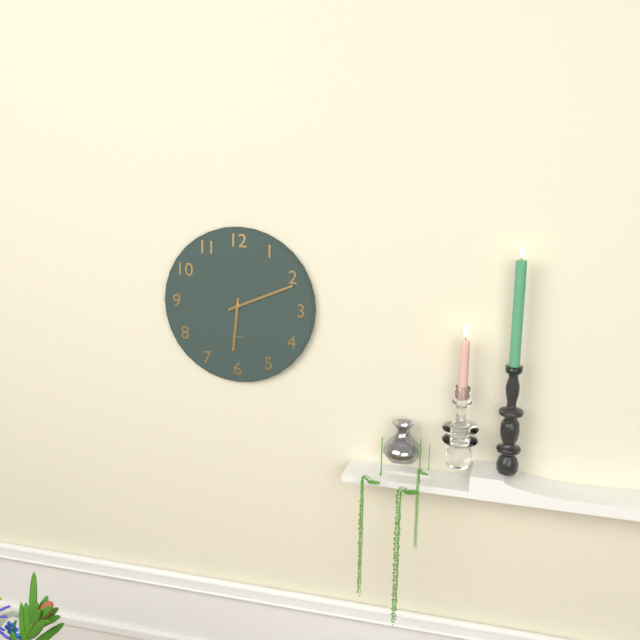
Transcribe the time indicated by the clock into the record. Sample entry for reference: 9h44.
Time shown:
6h11
